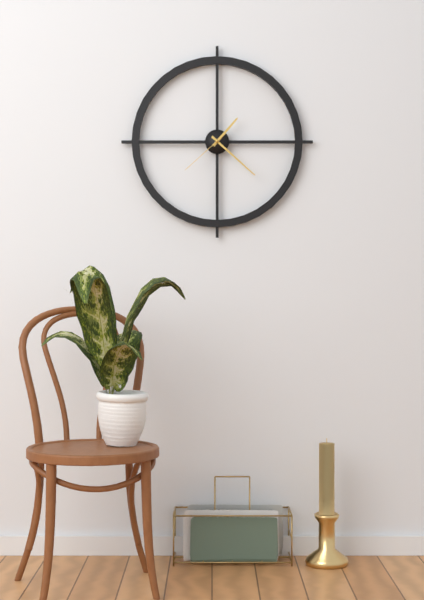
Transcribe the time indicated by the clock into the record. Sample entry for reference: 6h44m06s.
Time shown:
1h22m38s
